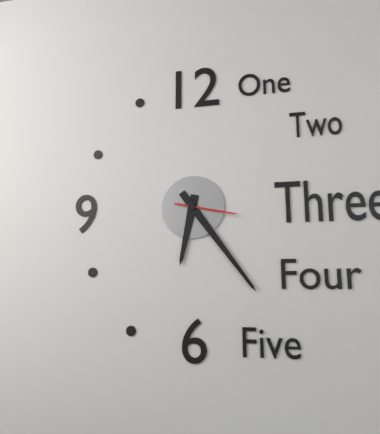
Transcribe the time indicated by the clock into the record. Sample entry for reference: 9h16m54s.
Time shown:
6h24m17s
